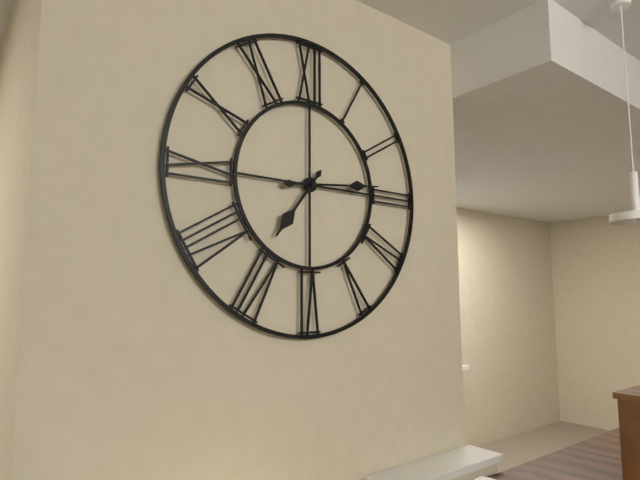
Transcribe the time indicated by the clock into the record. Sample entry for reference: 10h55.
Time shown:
7h14
